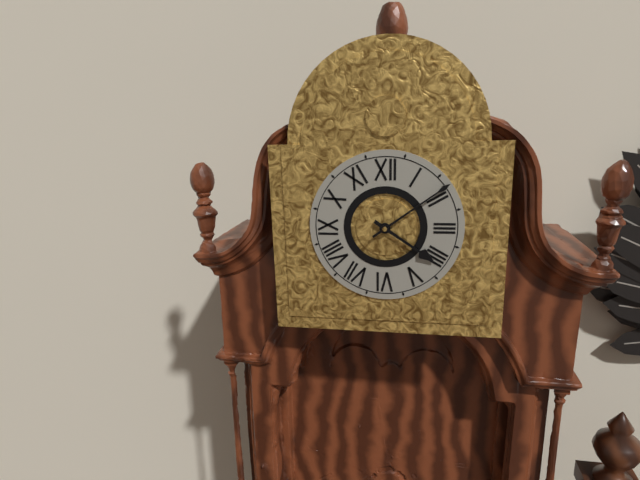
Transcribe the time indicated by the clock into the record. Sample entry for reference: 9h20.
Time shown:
4h09
